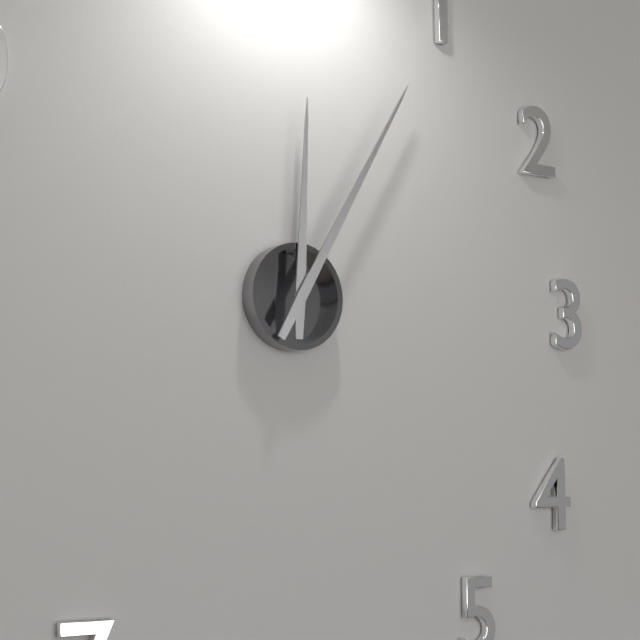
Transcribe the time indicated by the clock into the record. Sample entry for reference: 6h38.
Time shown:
12h05
